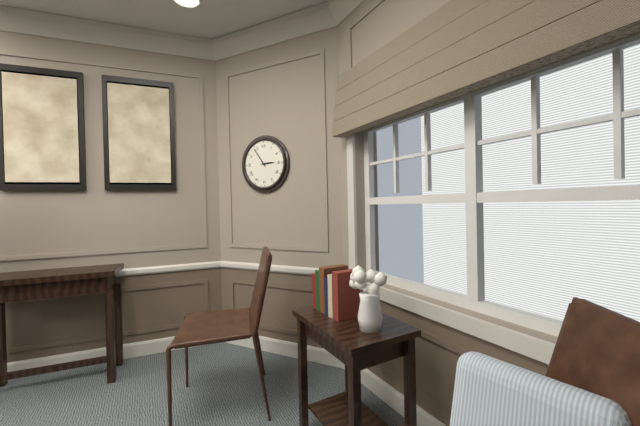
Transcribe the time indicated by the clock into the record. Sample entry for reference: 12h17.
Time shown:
2h54
